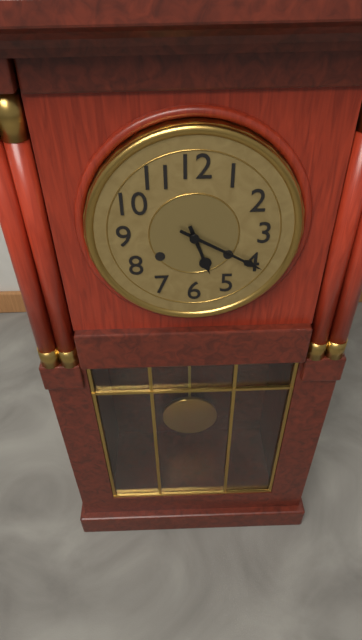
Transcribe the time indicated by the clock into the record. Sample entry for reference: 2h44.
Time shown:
5h20
